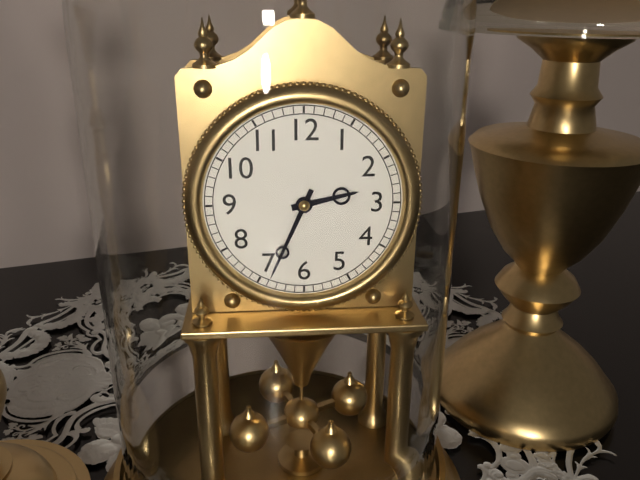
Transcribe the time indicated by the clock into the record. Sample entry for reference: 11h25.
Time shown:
2h34
